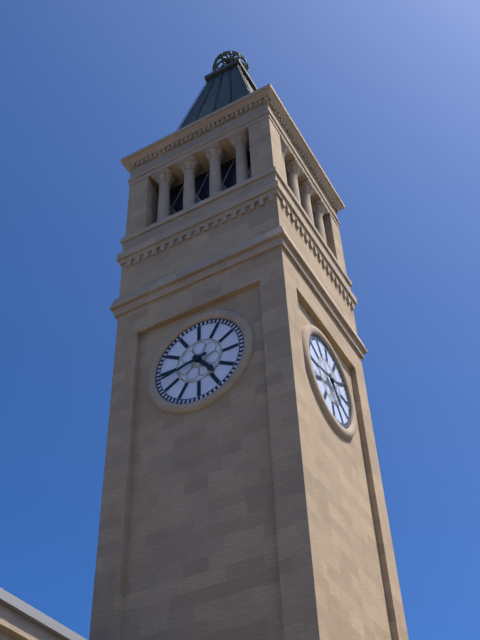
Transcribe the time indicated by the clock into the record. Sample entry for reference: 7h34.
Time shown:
4h43
